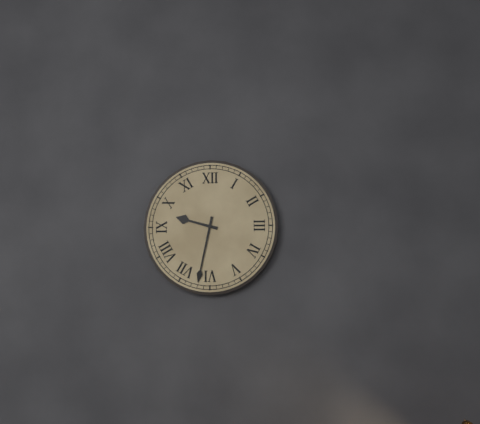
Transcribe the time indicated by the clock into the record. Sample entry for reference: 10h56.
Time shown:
9h32
